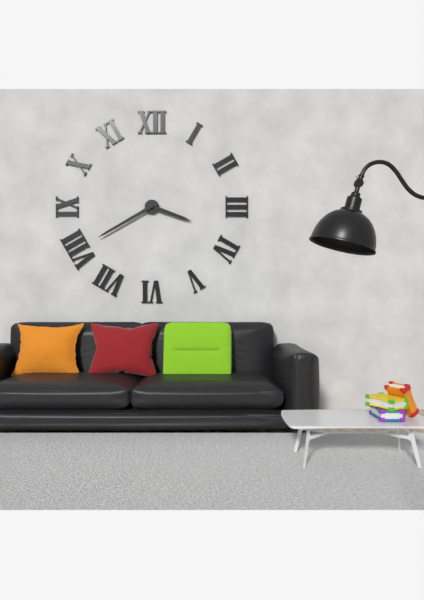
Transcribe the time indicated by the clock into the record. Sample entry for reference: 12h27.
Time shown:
3h40
